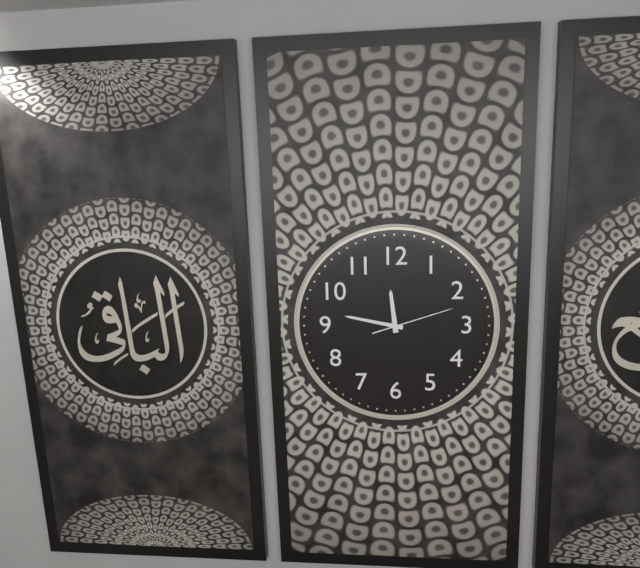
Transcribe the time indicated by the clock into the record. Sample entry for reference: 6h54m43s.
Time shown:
11h47m12s
